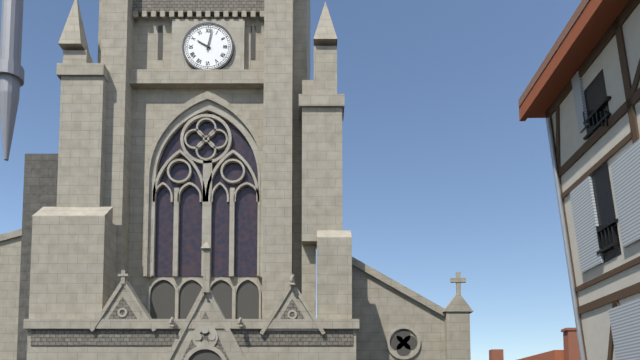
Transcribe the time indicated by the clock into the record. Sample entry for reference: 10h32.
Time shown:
10h02
